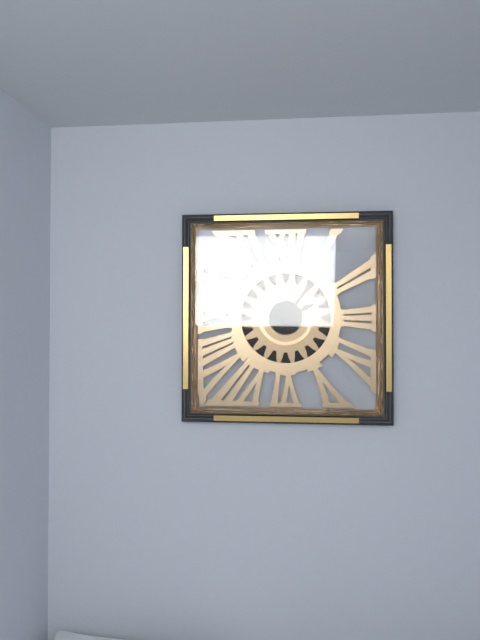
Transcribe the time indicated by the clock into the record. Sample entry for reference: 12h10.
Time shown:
2h06
